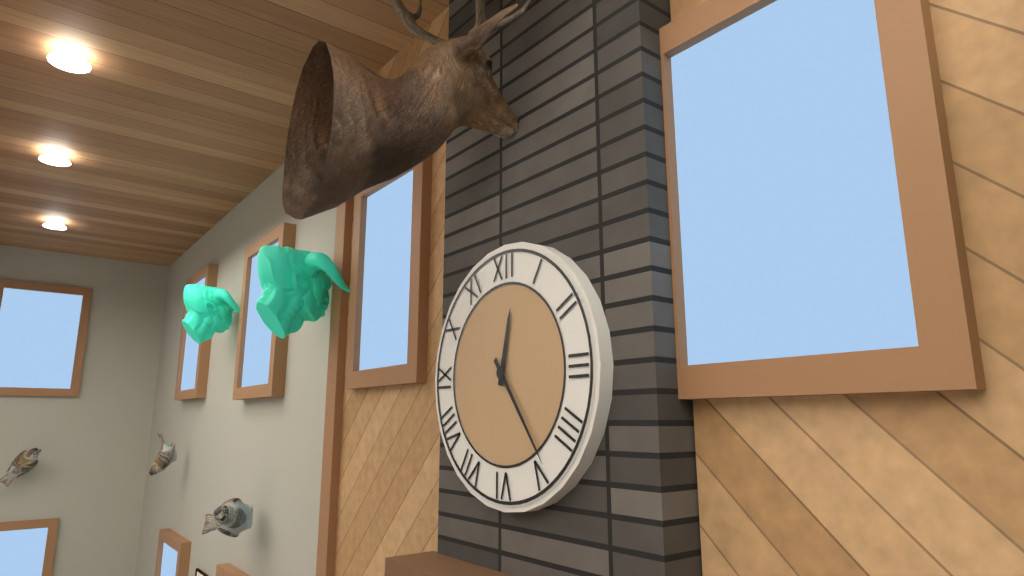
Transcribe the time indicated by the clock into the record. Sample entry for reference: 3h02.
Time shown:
12h24
